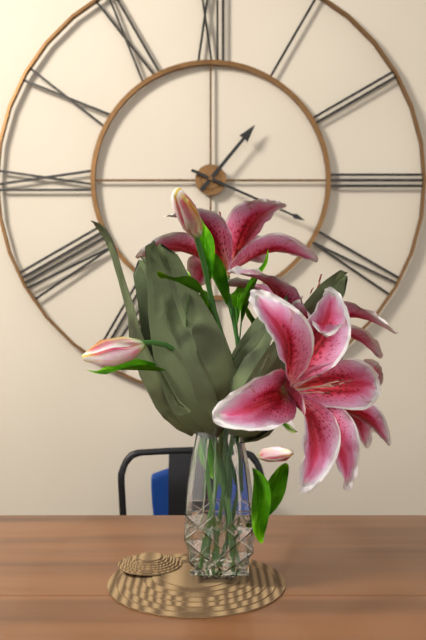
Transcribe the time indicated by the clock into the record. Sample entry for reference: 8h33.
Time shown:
1h19
